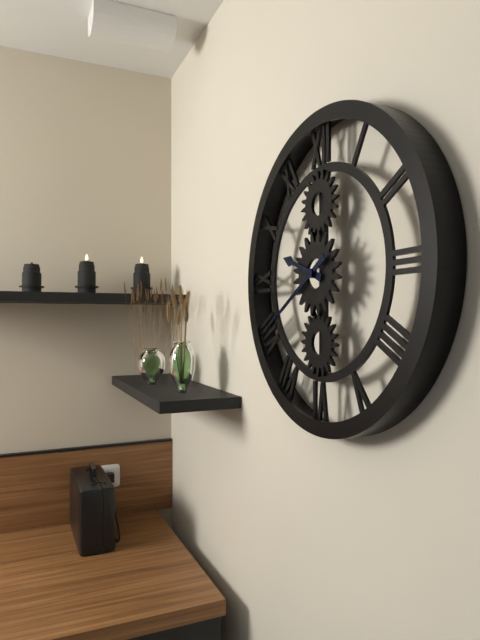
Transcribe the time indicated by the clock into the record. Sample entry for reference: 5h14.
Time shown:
9h40
